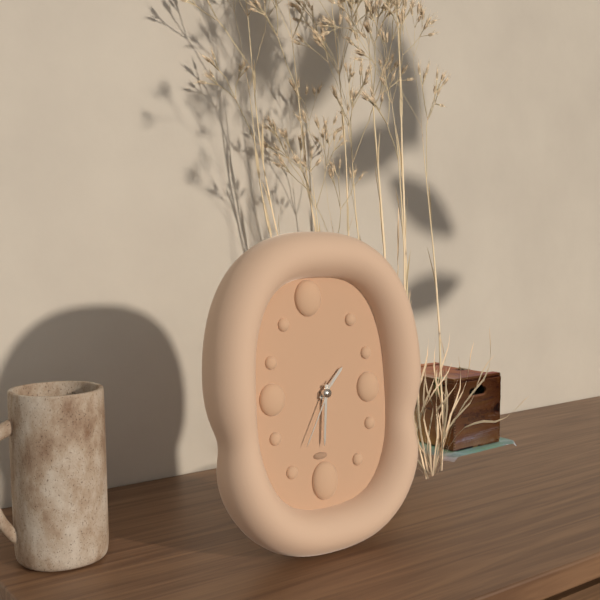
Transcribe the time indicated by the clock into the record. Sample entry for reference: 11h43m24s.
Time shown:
1h31m35s
